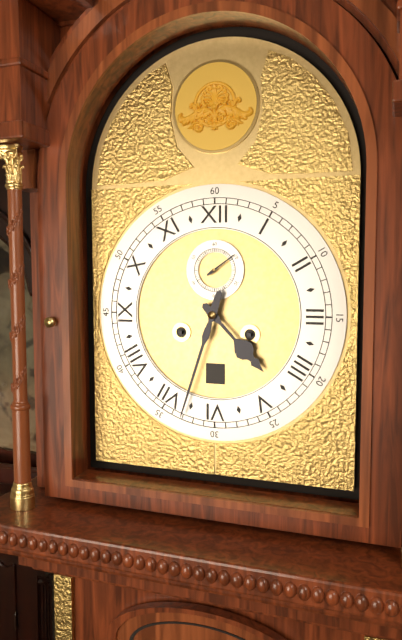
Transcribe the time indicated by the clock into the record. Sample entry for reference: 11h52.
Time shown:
4h33
